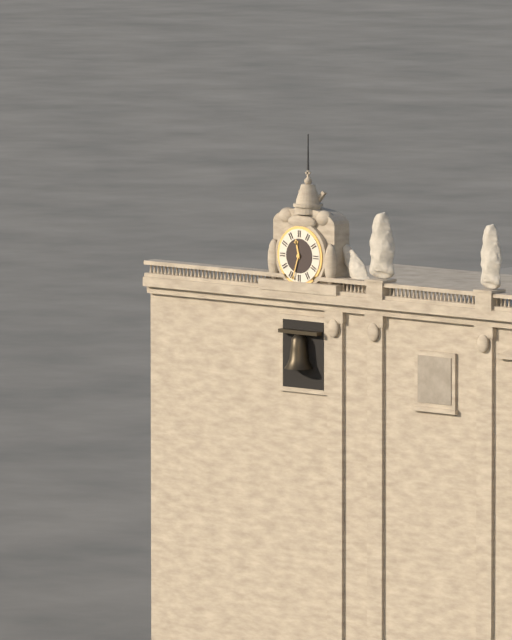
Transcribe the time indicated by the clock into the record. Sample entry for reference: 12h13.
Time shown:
11h33
